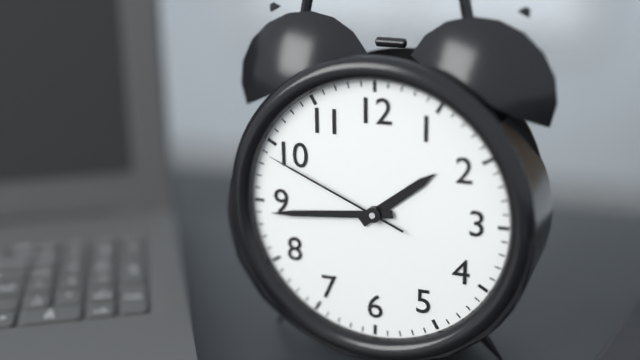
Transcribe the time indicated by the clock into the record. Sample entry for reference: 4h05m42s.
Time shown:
1h44m49s
